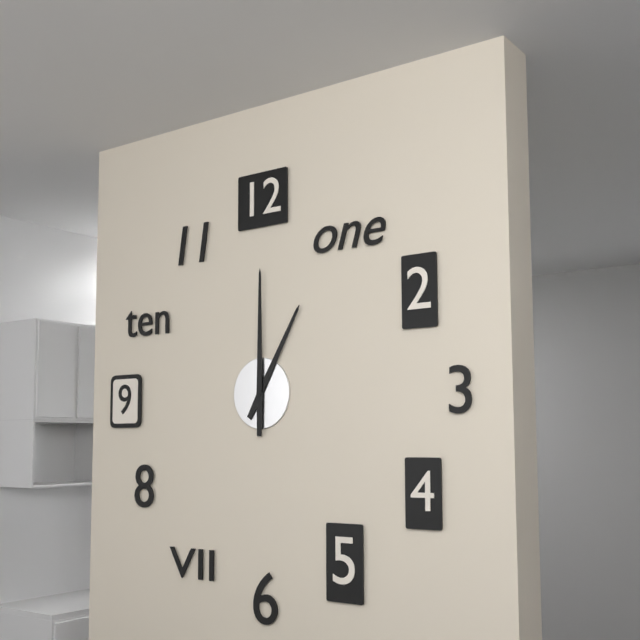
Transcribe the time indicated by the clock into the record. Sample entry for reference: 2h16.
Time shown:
1h00
